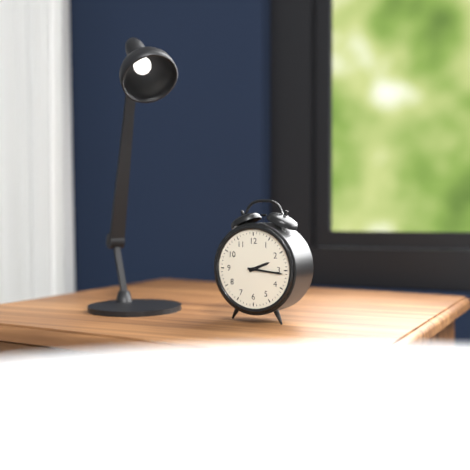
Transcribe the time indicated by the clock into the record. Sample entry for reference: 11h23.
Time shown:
2h16
